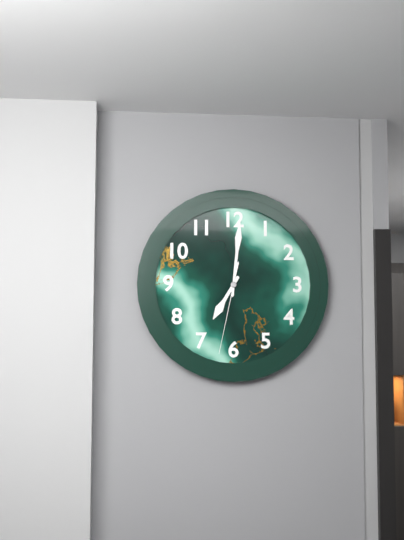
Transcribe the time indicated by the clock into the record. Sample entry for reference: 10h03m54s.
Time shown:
7h01m32s
